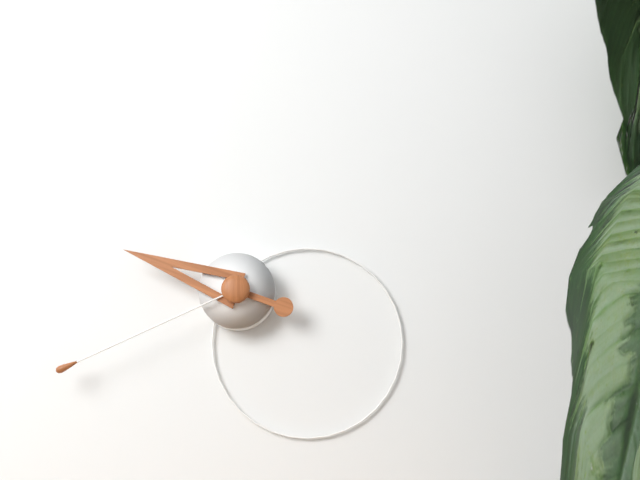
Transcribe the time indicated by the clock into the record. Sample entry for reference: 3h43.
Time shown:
9h41
